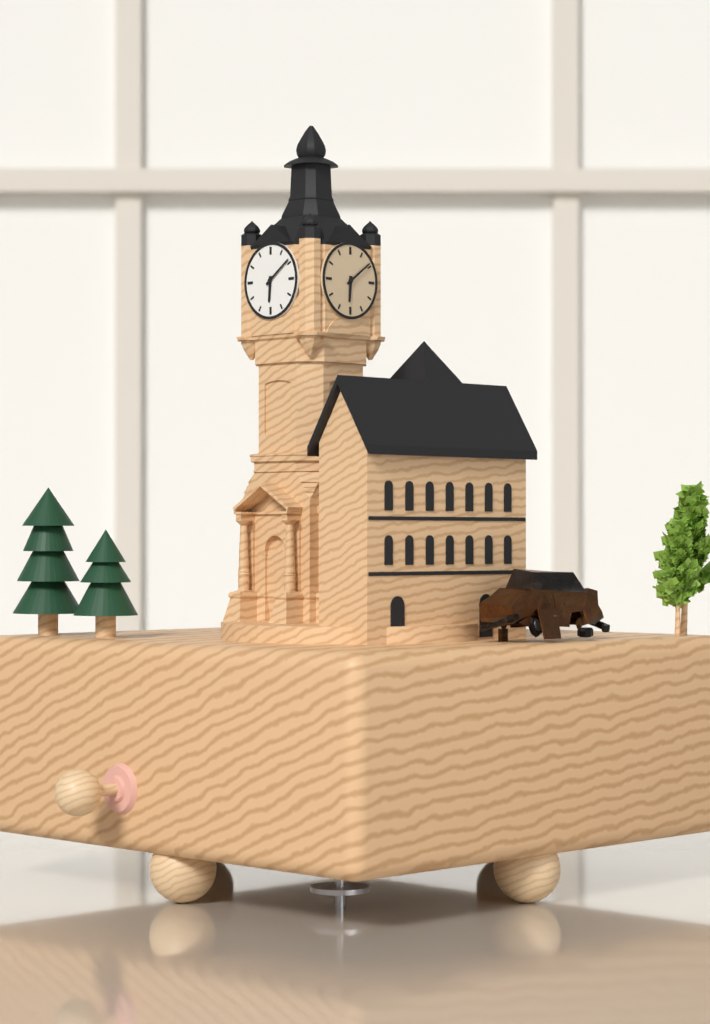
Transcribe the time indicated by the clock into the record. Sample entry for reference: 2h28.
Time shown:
6h09
